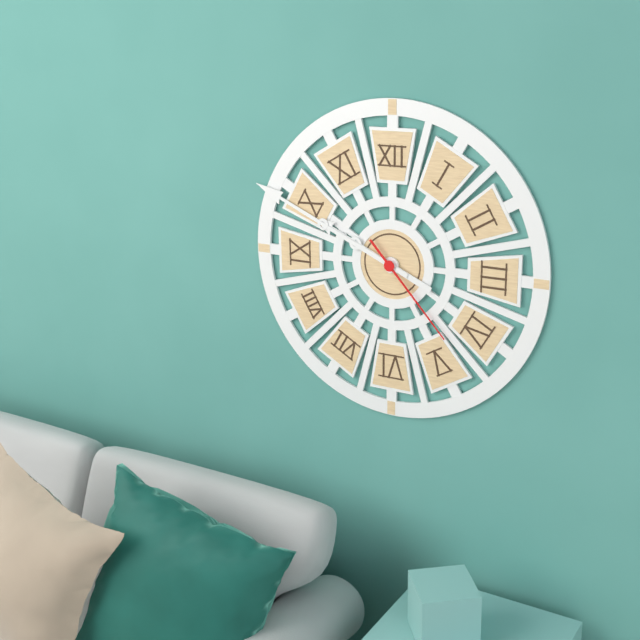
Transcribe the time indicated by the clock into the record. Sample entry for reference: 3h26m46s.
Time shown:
9h49m23s
